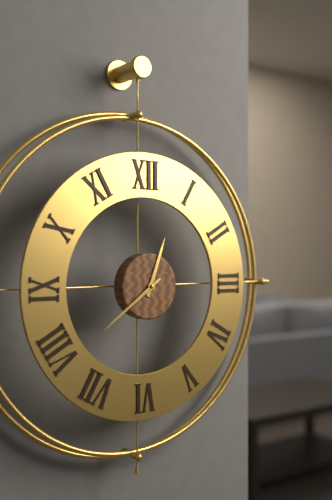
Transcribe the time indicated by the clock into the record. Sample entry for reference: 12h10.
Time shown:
12h39
